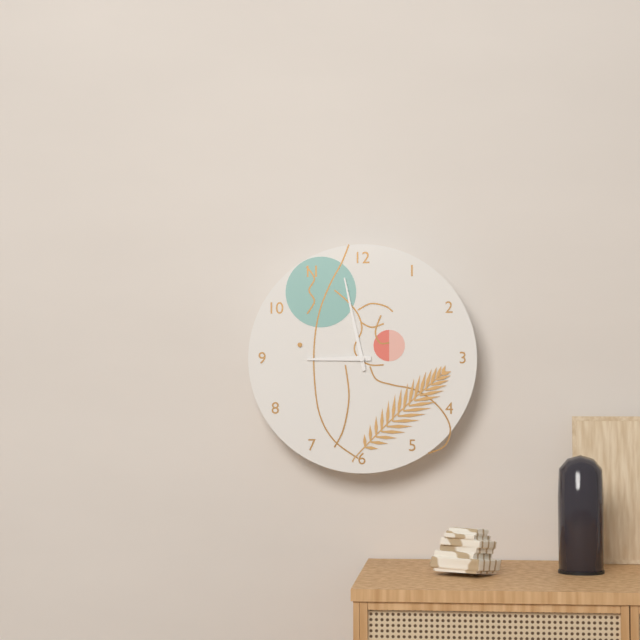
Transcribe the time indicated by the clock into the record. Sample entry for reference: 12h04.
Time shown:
8h58
